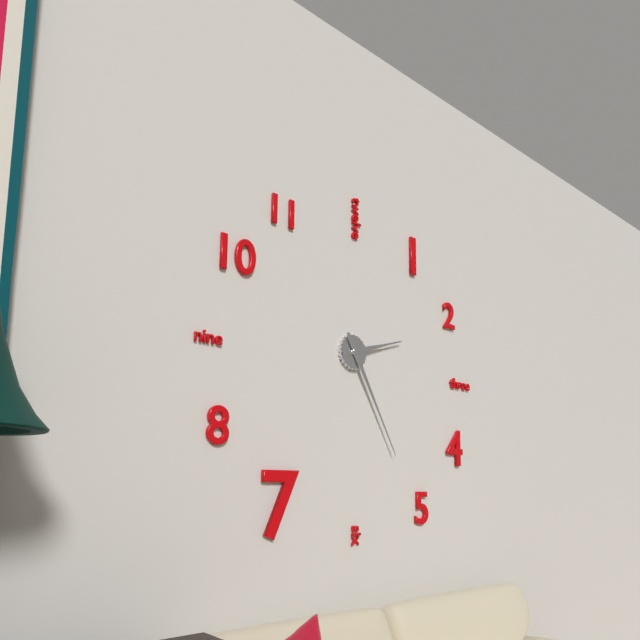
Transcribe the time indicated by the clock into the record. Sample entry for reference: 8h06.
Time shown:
2h25
